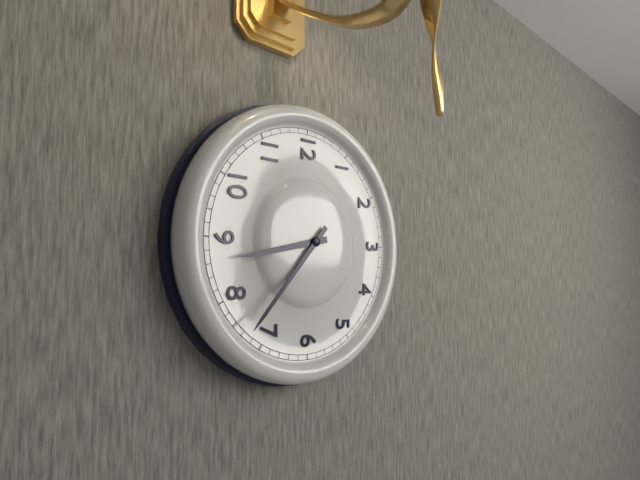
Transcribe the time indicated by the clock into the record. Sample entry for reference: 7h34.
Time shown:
8h37
